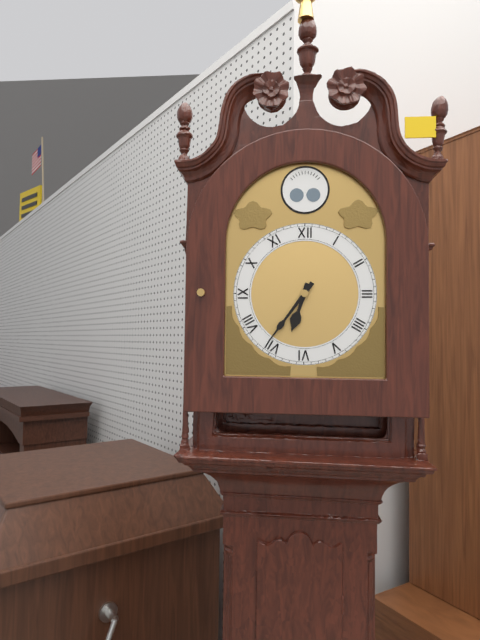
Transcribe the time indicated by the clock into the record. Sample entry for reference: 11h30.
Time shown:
6h36
